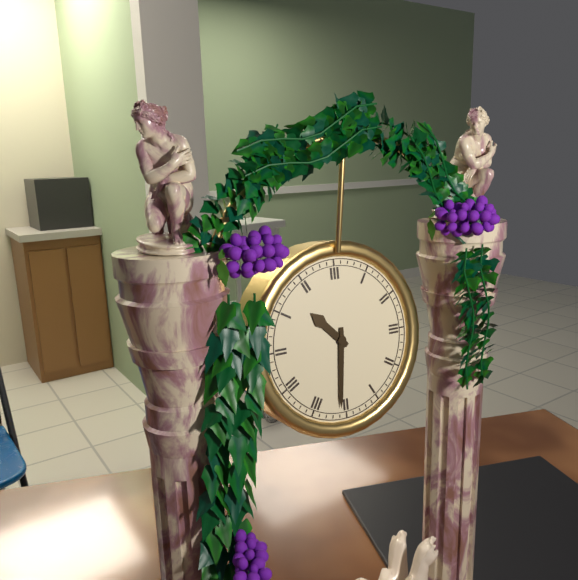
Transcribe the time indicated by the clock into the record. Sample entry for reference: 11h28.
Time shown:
10h31
